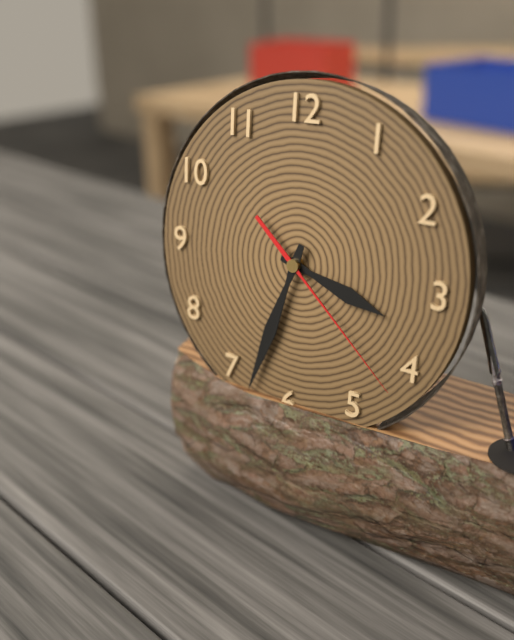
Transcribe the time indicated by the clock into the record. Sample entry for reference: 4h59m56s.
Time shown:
3h33m22s
